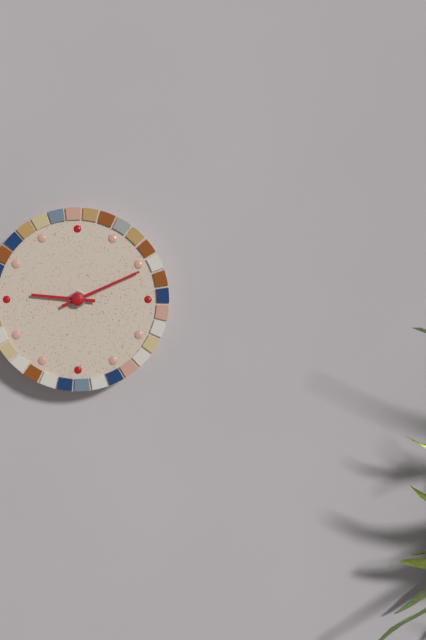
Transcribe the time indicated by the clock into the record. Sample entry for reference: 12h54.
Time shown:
9h11
